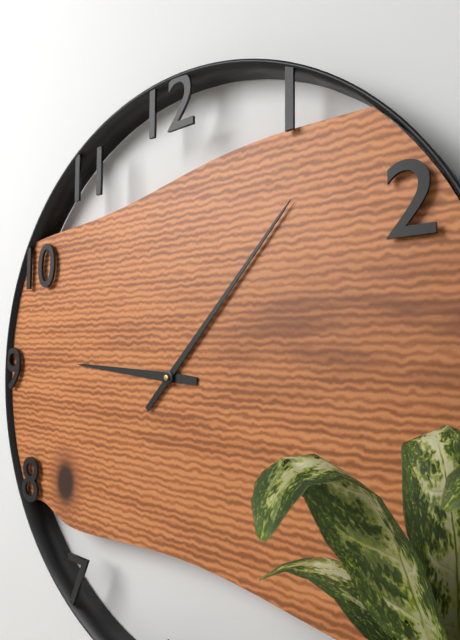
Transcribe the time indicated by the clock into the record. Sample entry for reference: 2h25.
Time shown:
9h07
